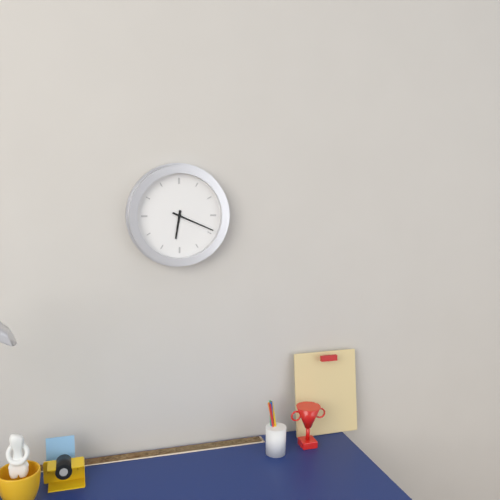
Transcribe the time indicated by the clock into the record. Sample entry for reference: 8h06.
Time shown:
6h19
